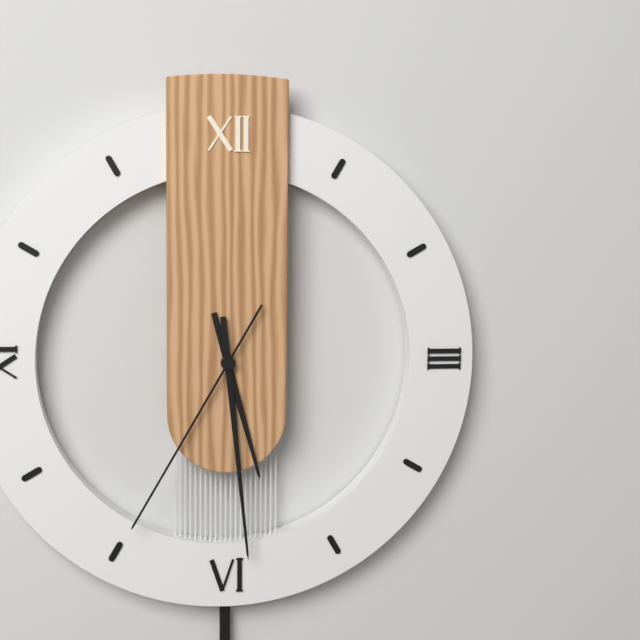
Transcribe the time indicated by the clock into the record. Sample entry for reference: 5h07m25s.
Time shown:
5h29m35s
